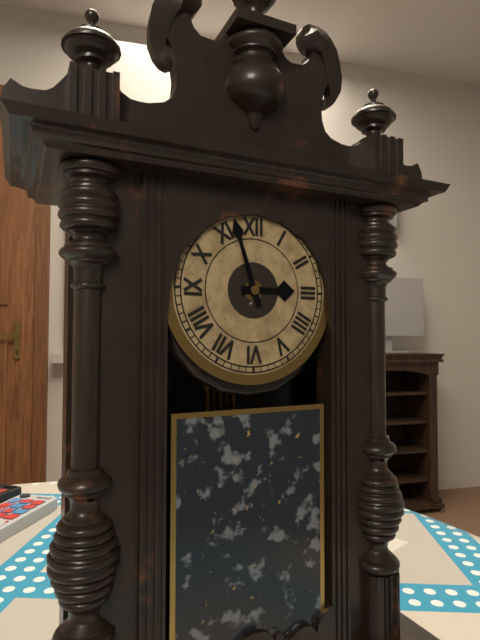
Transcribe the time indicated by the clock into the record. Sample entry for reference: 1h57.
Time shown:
2h57
